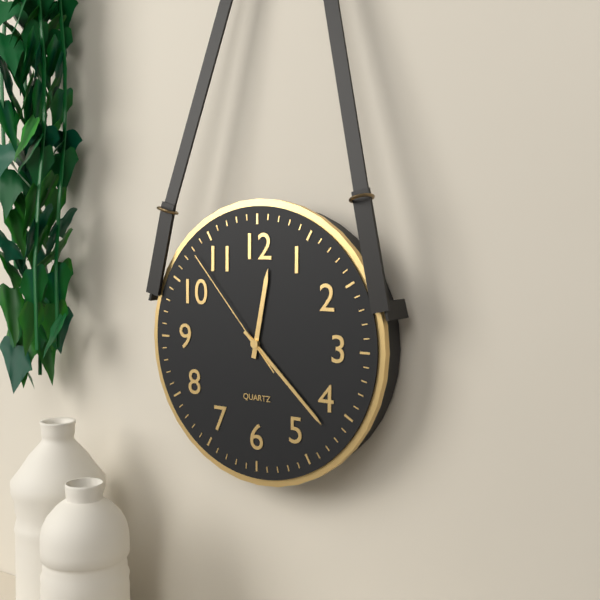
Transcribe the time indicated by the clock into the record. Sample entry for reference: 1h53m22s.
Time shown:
12h22m53s
